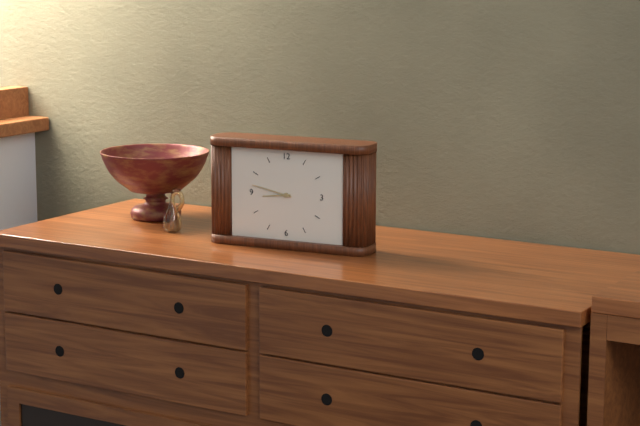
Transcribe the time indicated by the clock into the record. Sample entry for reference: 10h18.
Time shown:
8h47
